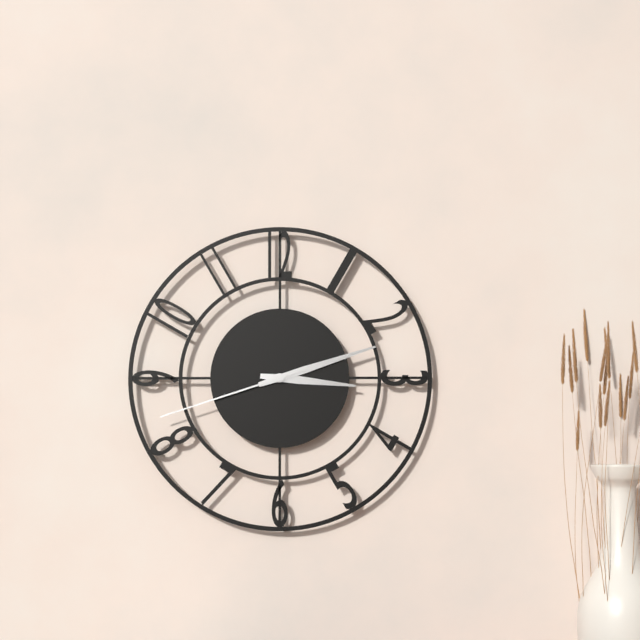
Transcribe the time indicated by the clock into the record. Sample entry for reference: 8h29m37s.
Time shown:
3h12m42s
